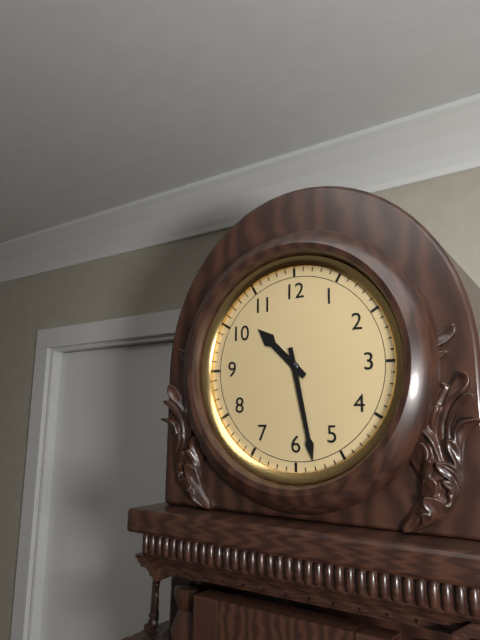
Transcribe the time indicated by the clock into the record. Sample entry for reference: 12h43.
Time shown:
10h28
